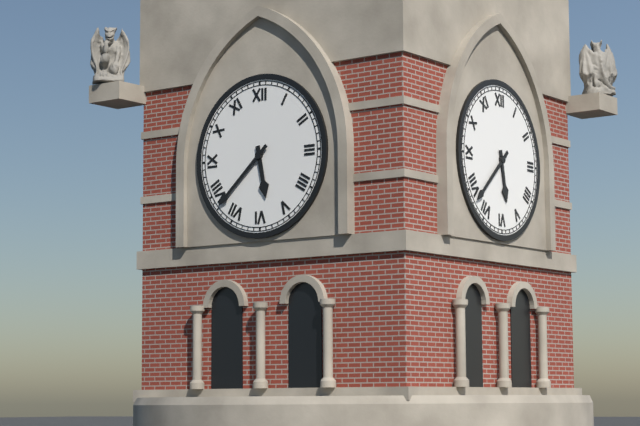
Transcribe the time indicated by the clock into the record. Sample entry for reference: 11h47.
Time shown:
5h38
